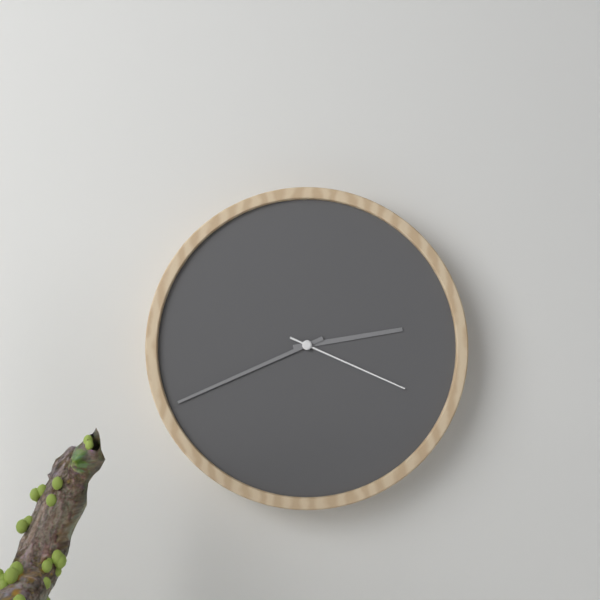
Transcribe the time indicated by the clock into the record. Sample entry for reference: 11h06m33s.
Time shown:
2h41m19s
